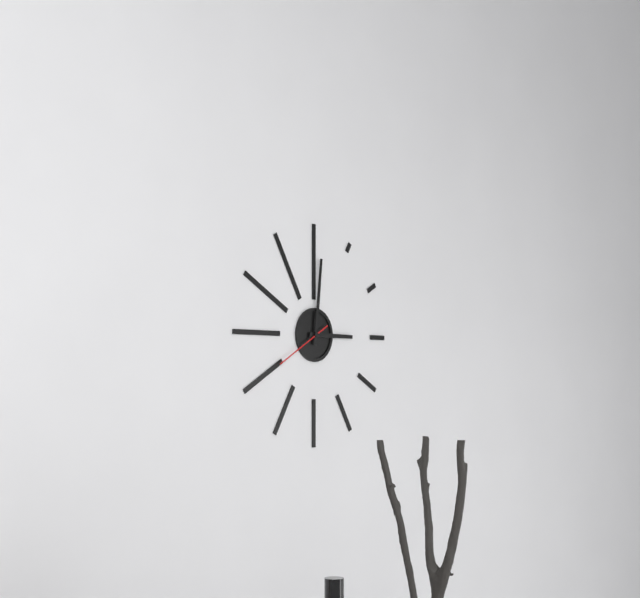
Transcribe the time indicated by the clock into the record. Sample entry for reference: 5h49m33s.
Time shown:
3h01m40s
